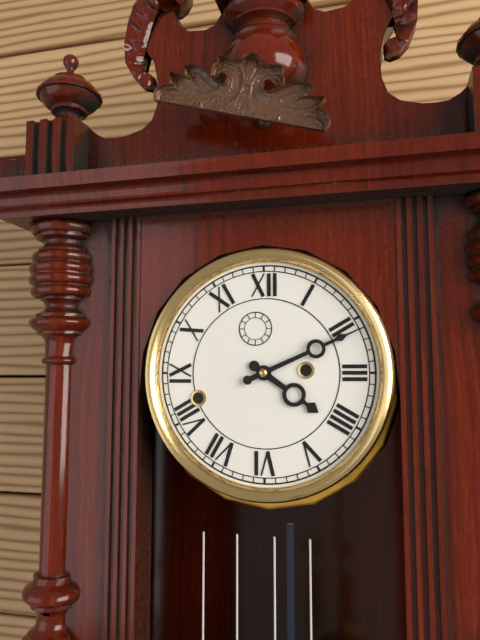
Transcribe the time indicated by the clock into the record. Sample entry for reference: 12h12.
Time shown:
4h11
